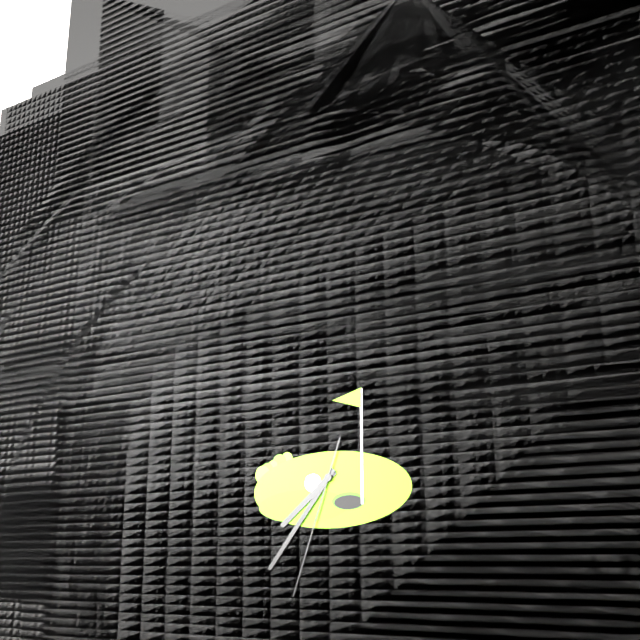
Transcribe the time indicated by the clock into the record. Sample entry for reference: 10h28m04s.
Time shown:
7h36m33s
